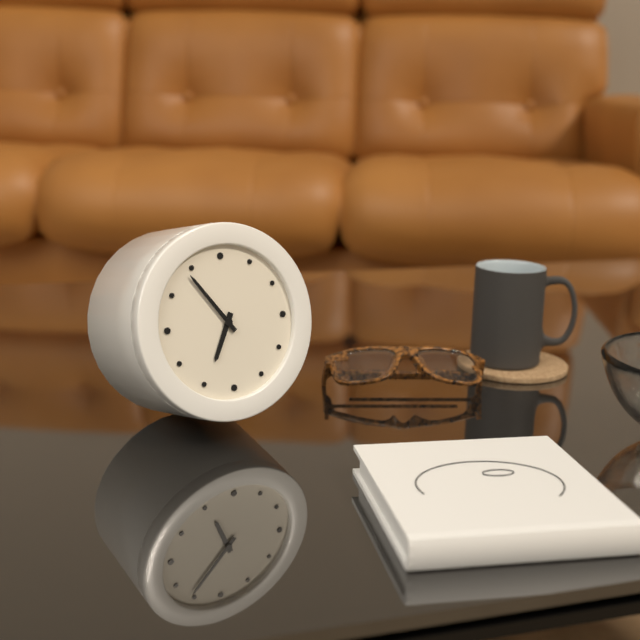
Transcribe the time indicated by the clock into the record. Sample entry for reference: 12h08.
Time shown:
6h54
